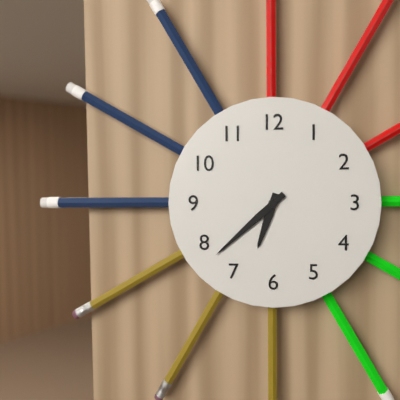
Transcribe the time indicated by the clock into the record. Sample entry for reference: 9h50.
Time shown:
6h38
